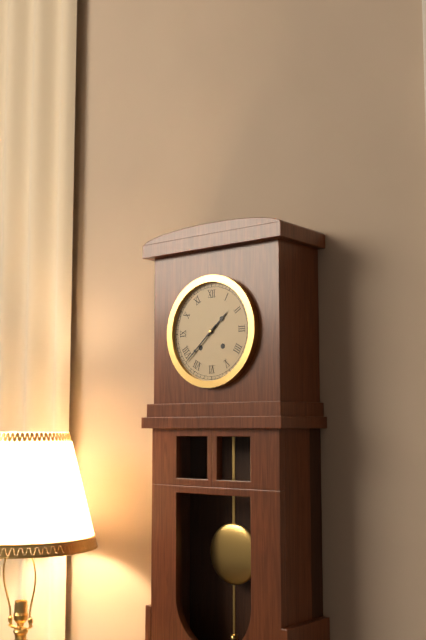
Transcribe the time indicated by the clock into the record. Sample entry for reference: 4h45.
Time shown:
1h38
